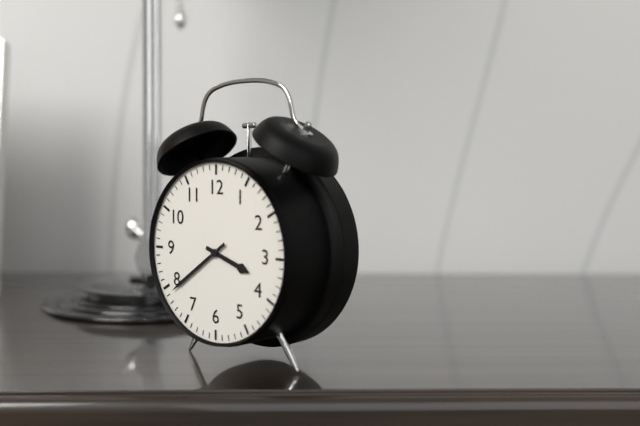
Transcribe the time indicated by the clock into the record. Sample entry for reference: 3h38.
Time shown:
3h39
